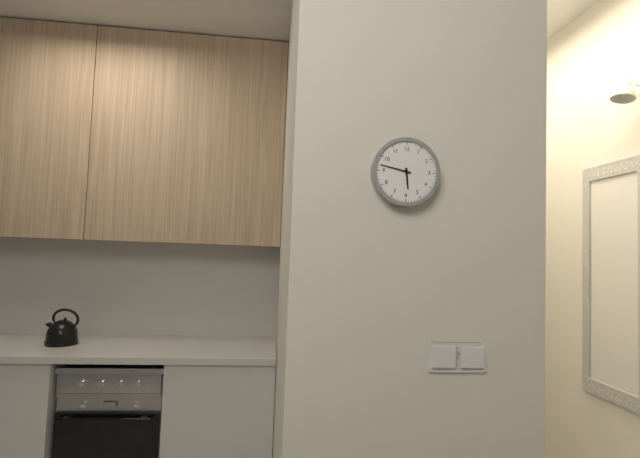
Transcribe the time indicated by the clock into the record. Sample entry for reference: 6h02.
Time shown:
5h47
